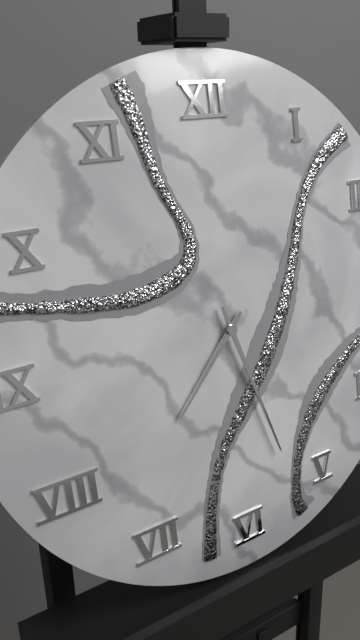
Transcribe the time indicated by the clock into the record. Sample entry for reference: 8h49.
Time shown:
7h27
